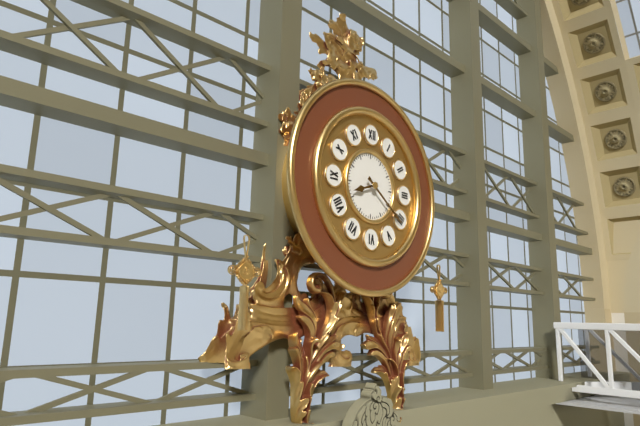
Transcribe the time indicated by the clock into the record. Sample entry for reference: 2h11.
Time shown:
8h21
